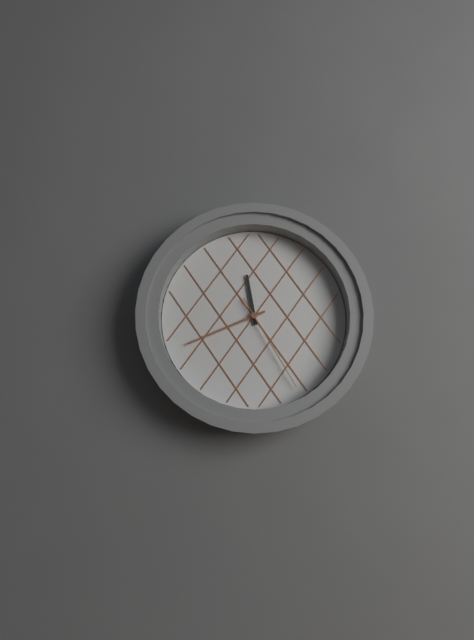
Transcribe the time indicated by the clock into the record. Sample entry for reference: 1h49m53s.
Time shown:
11h41m25s
